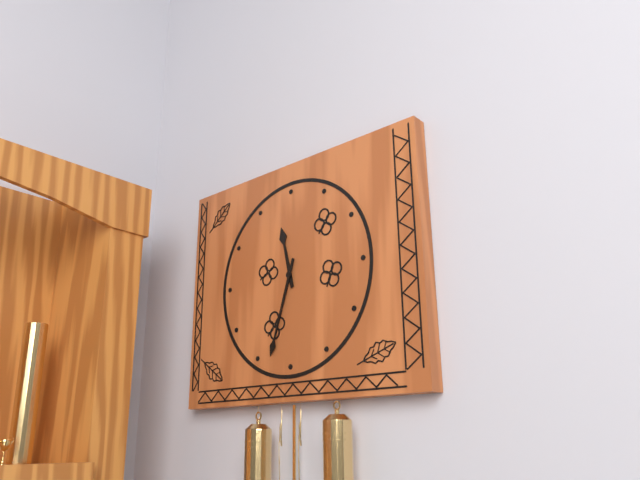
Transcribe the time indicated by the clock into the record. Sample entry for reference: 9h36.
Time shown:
11h33
